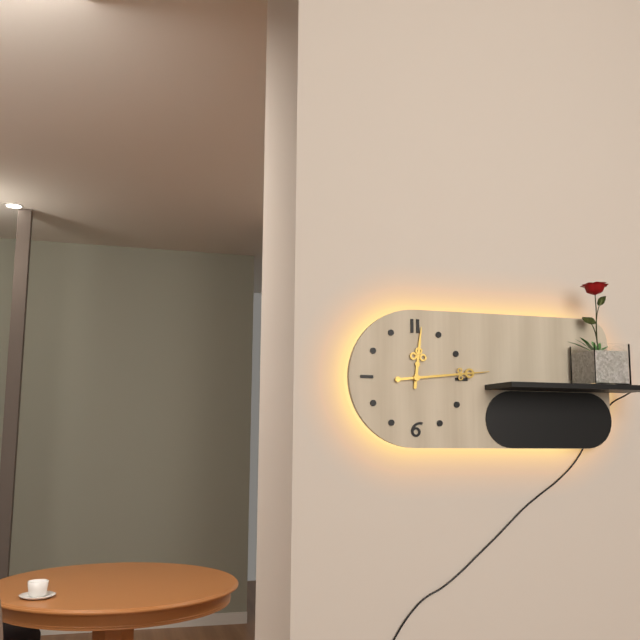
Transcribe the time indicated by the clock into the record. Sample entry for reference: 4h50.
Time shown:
12h14
